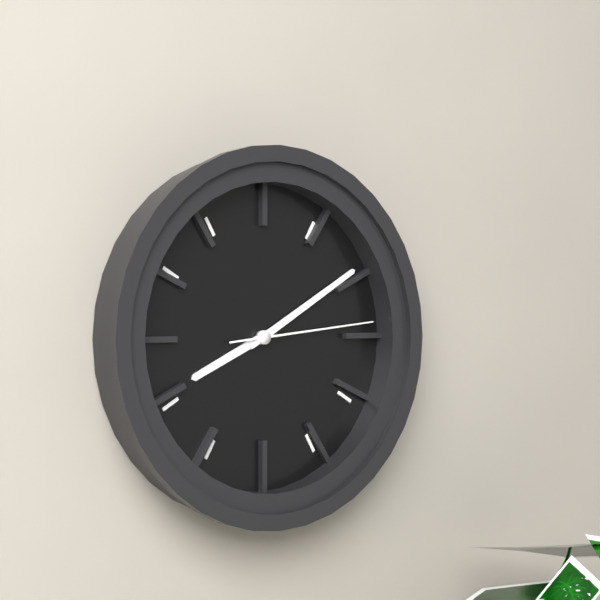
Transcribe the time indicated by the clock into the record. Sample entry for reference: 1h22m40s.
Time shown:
8h10m14s
